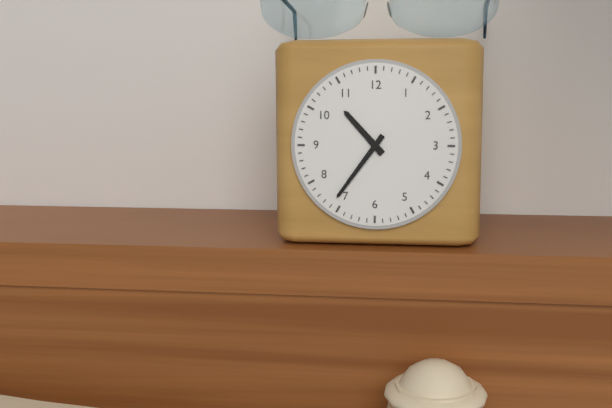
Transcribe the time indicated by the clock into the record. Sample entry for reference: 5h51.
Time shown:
10h36
